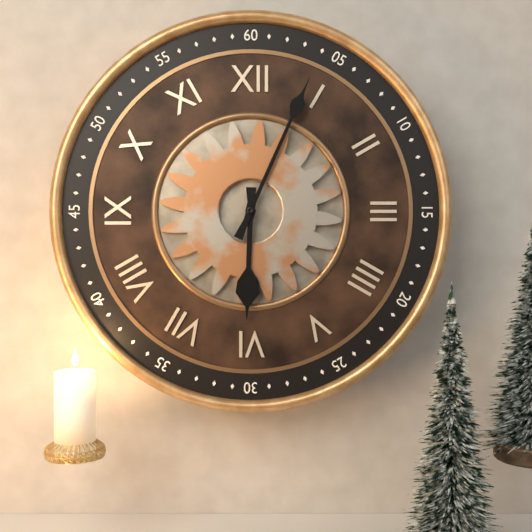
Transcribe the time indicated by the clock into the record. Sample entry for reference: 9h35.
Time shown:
6h04
